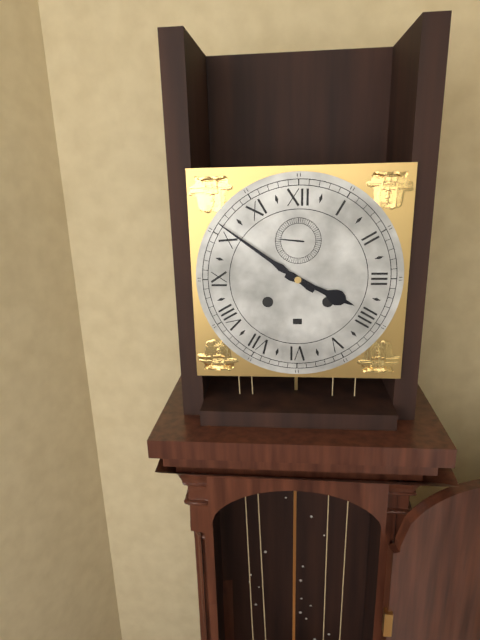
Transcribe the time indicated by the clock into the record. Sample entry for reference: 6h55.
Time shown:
3h51
